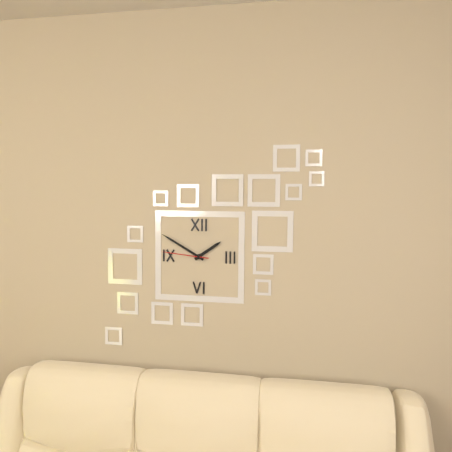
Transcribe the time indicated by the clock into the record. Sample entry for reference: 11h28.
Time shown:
1h50
